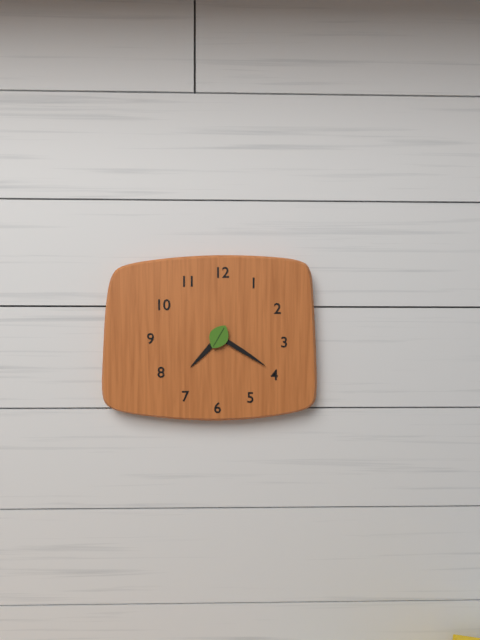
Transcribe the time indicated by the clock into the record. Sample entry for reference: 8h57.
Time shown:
7h20
